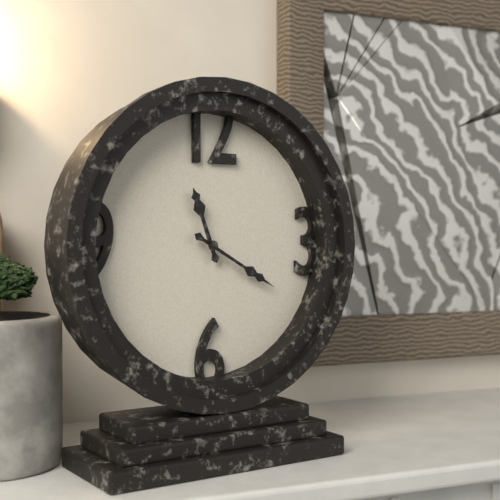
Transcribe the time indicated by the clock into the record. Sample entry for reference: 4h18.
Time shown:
11h20
